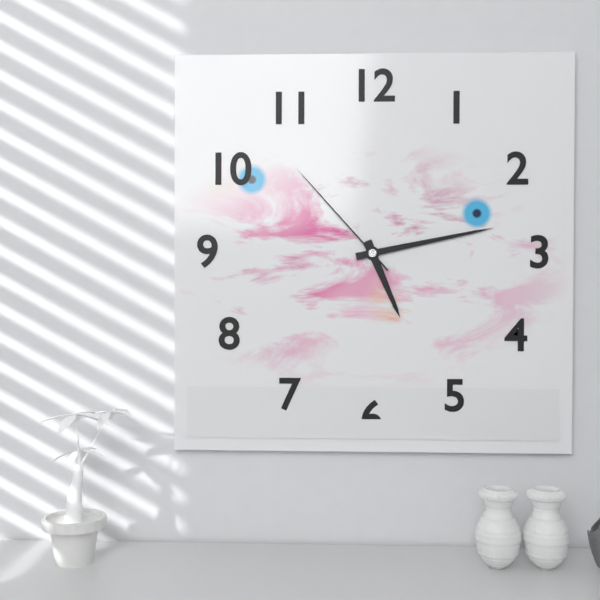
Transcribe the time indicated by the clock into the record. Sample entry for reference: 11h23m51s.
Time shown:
5h13m53s
